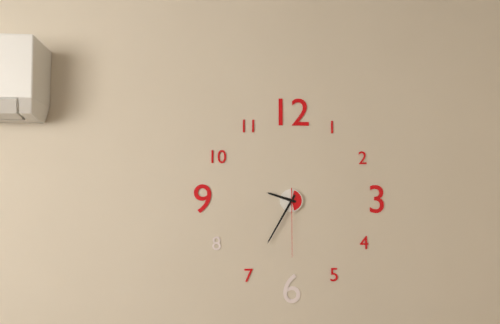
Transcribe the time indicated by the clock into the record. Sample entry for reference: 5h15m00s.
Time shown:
9h35m30s
